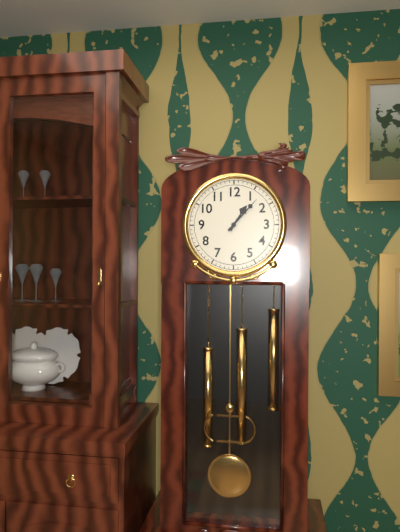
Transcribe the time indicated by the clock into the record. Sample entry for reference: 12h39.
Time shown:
1h07
